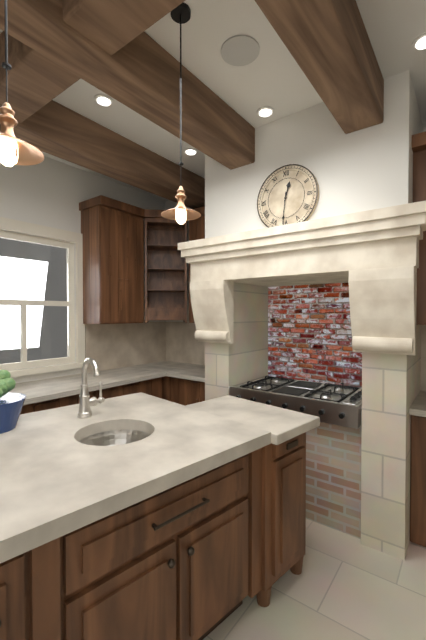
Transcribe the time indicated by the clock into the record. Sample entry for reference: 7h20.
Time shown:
12h31
